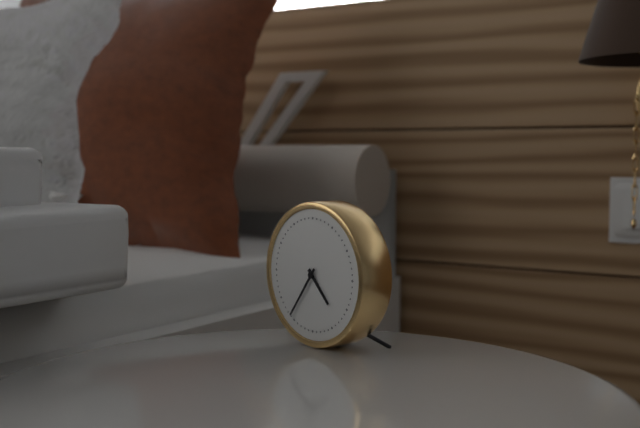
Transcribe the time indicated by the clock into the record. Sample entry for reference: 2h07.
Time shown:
4h36
